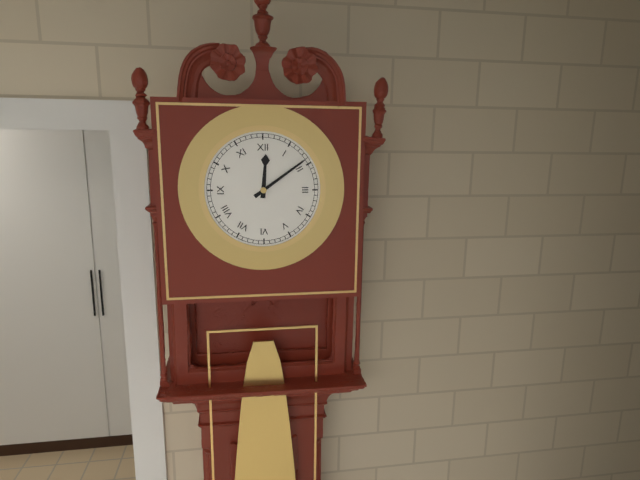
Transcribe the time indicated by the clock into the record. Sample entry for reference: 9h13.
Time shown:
12h09
